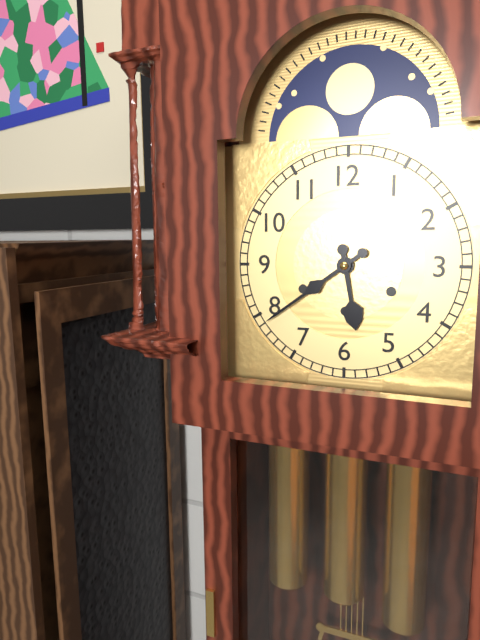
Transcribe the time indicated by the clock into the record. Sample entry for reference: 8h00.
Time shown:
5h39
